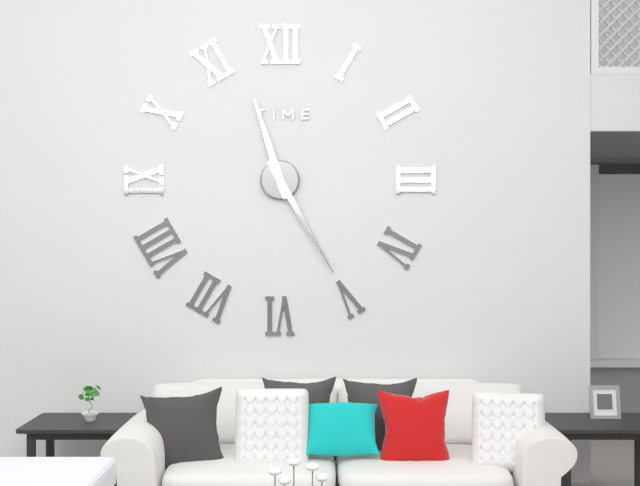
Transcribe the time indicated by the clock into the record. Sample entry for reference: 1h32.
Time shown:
11h25
